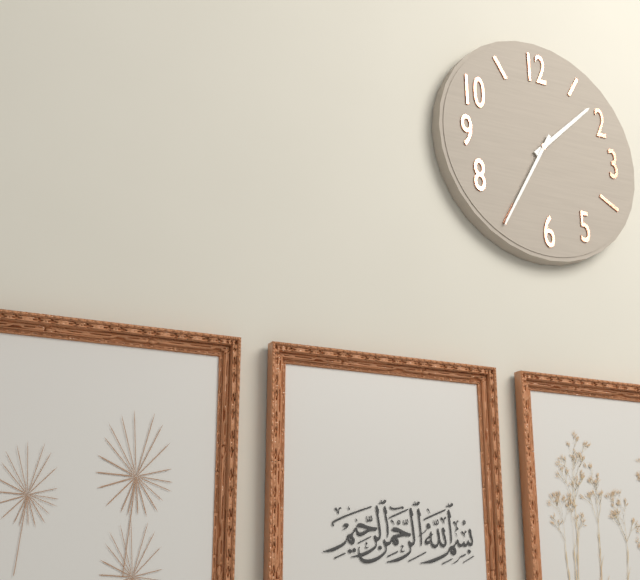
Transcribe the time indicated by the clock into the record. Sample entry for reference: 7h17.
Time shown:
1h35
